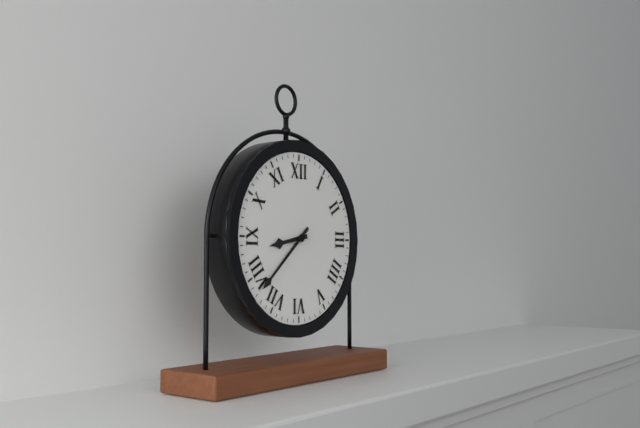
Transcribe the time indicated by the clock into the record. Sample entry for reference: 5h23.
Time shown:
8h38
